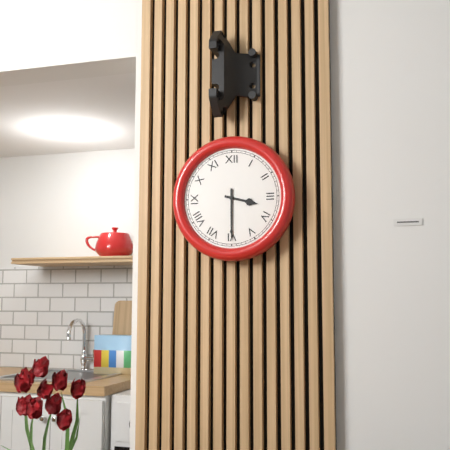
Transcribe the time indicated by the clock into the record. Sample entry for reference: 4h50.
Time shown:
3h30
